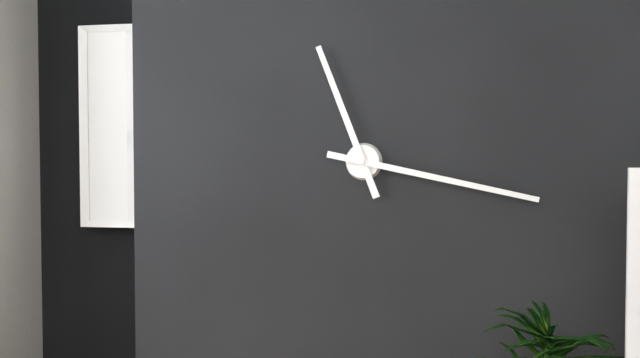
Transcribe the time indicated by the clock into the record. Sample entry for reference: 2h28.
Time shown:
11h17
